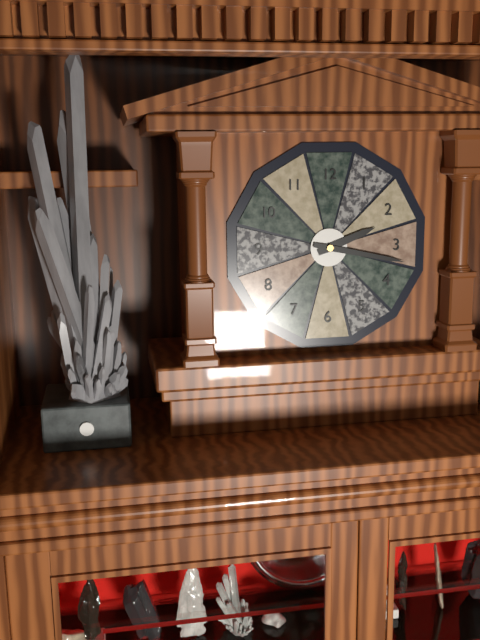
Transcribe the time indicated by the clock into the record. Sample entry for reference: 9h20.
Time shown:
2h17
